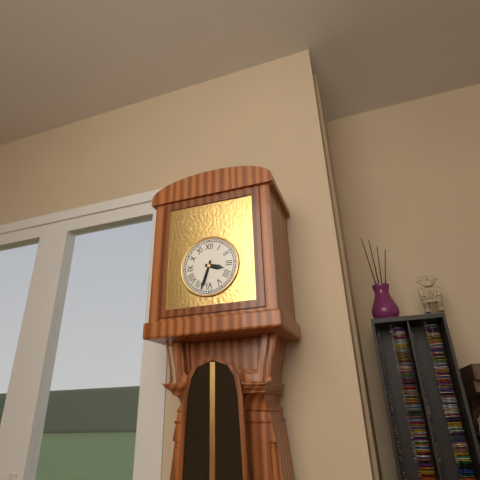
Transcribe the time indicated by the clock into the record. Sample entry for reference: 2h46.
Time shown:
3h33
